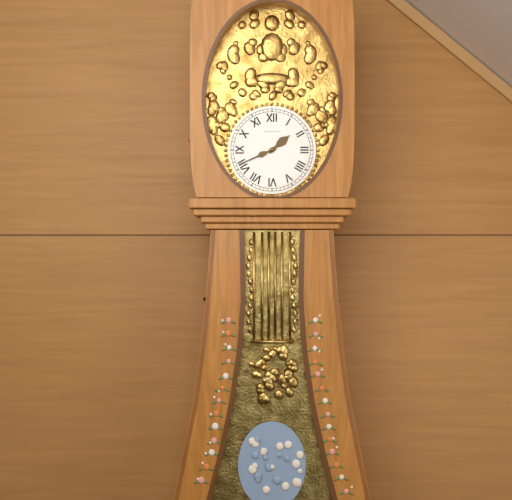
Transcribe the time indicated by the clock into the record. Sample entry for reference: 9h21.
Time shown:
1h41
